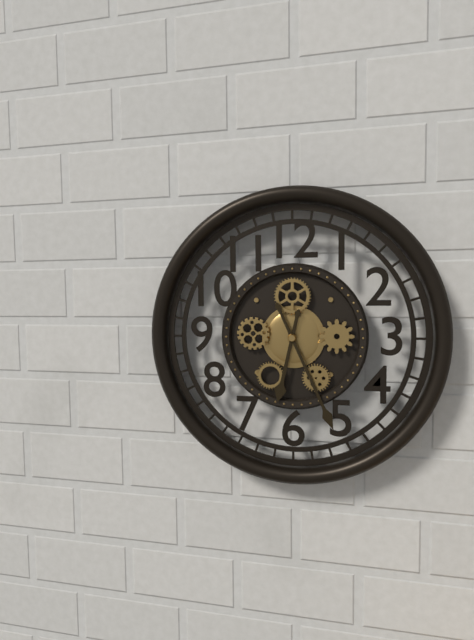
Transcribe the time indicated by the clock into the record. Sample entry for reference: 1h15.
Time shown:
6h26
